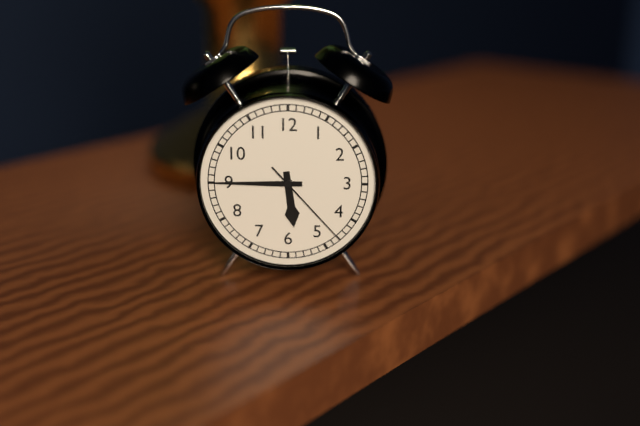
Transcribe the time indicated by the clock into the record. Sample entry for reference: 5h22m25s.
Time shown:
5h45m23s
